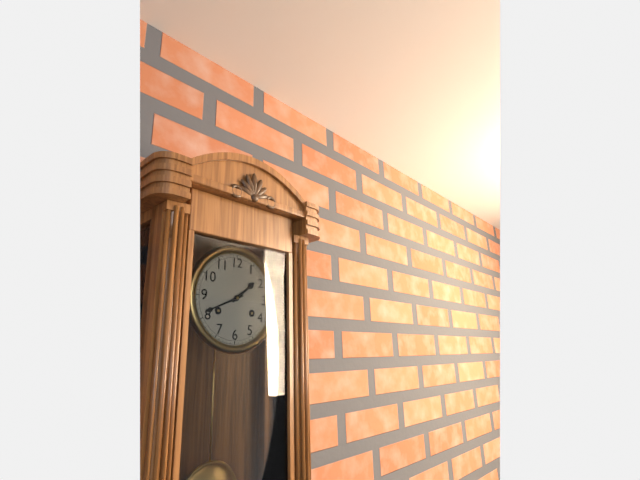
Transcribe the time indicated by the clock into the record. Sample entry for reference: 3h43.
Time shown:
1h41
